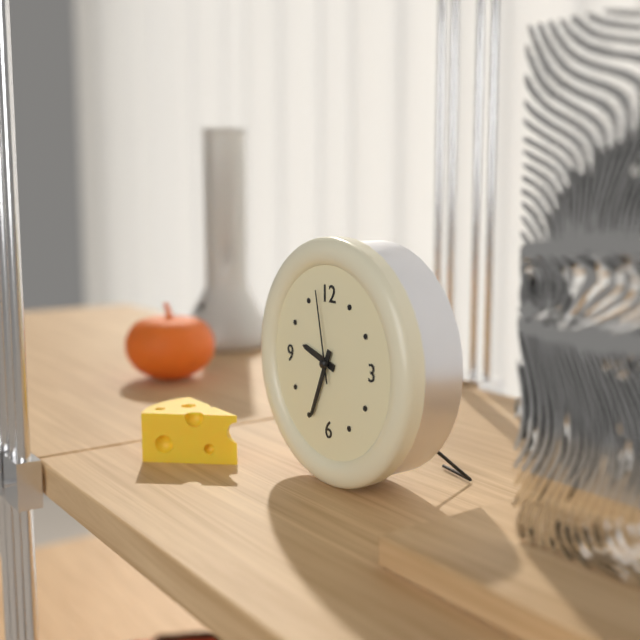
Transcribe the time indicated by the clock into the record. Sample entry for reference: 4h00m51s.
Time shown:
9h34m58s
